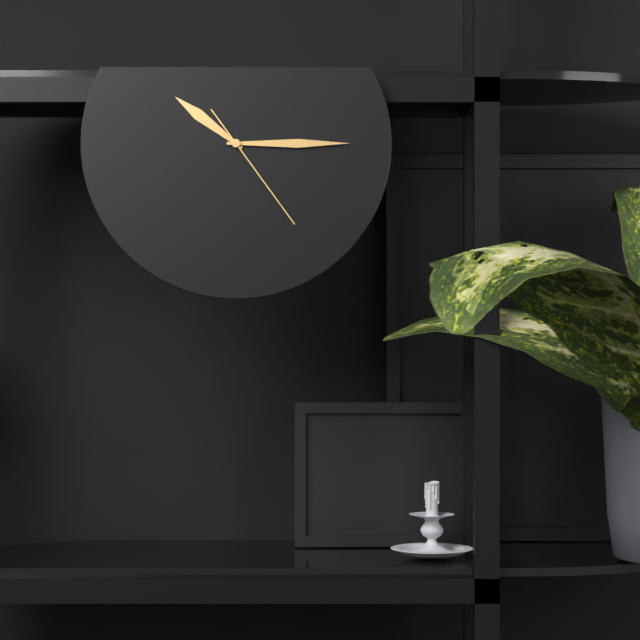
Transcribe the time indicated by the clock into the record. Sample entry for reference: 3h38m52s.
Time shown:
10h15m24s
